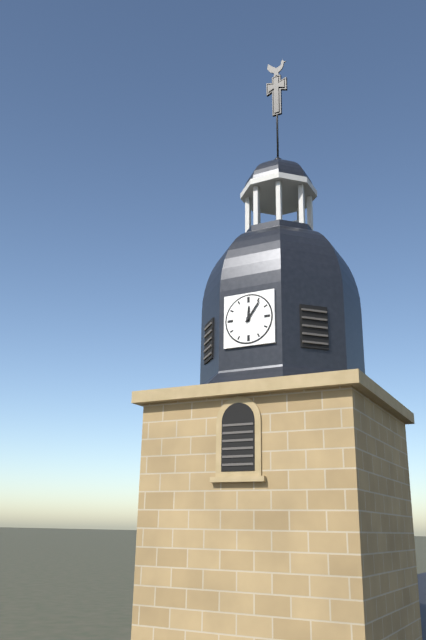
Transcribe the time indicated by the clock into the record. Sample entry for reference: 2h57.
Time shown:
12h06
